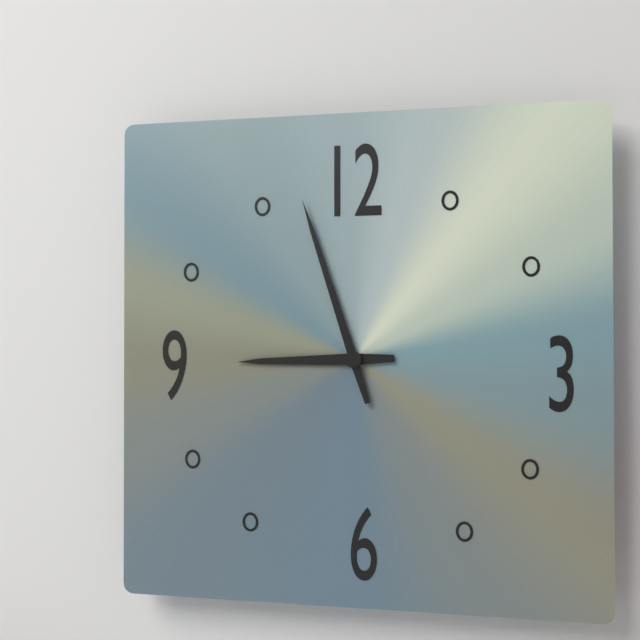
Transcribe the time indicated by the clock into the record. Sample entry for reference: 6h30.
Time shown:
8h57
